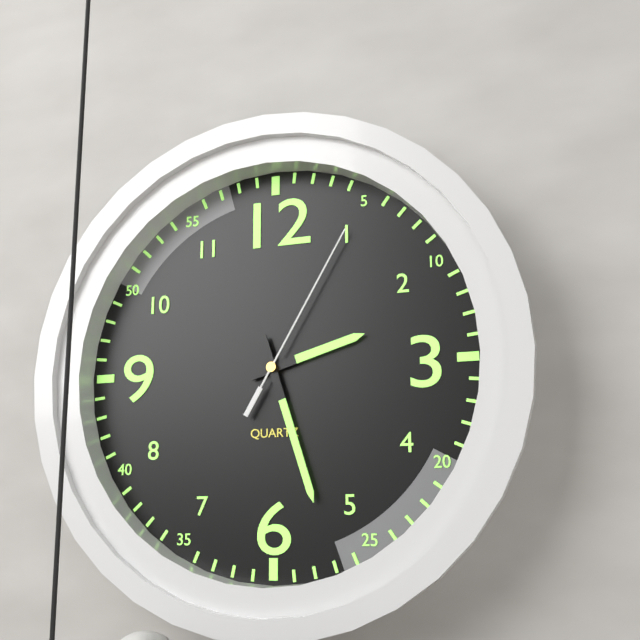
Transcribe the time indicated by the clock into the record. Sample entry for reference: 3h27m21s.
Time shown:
2h27m05s
